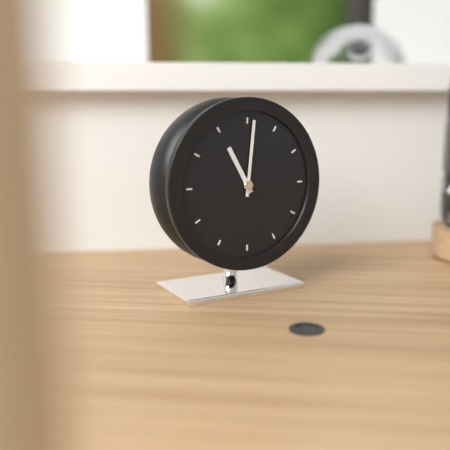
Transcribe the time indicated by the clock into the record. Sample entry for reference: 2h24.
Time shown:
11h01
